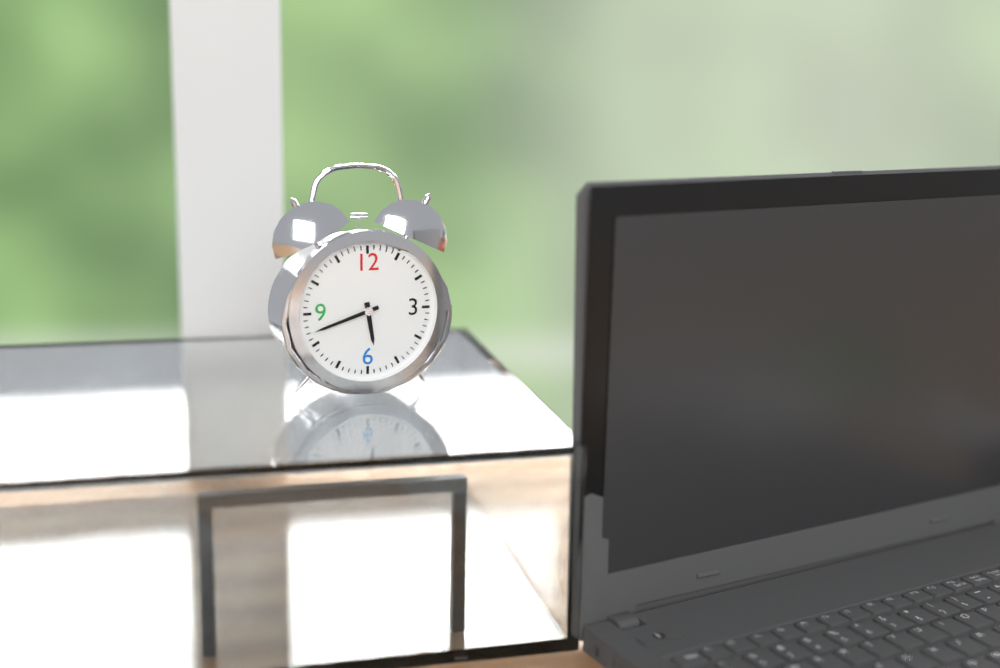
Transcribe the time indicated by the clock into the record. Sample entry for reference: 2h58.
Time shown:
5h42
